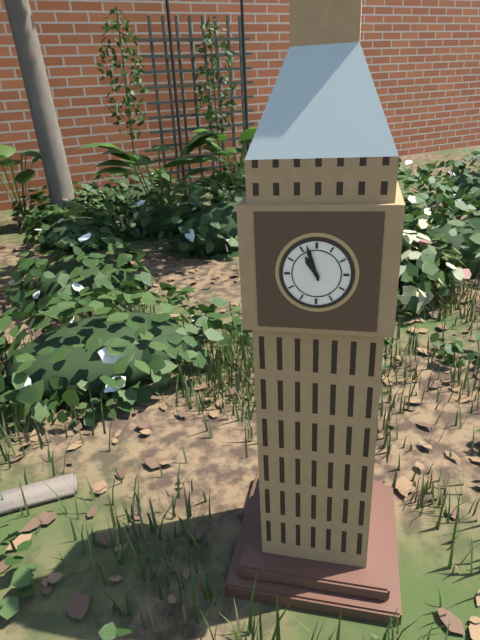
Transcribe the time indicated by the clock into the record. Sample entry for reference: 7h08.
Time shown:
10h57
